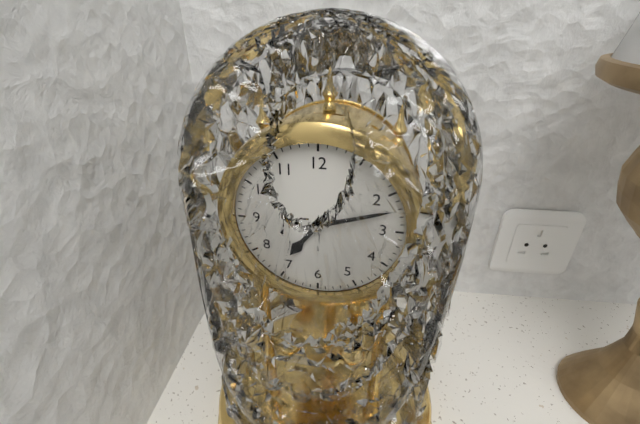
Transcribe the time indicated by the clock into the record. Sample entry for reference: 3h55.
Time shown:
7h12
